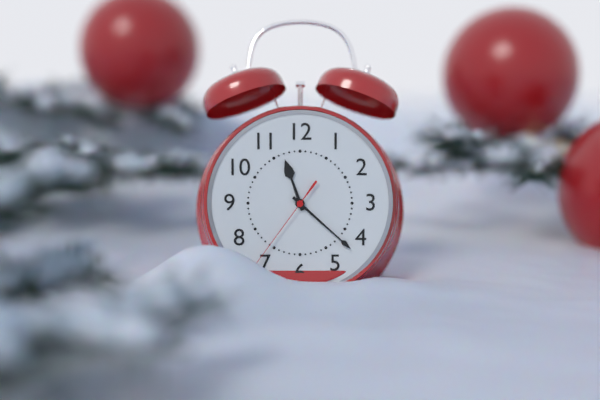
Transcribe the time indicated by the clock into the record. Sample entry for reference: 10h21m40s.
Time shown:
11h22m36s
